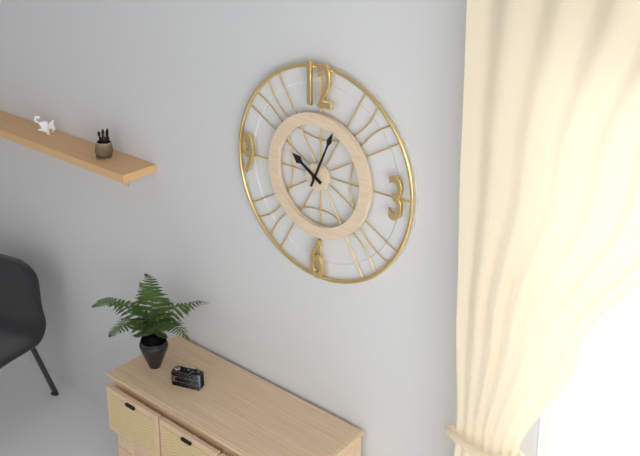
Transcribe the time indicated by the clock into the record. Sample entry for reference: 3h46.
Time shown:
10h04
